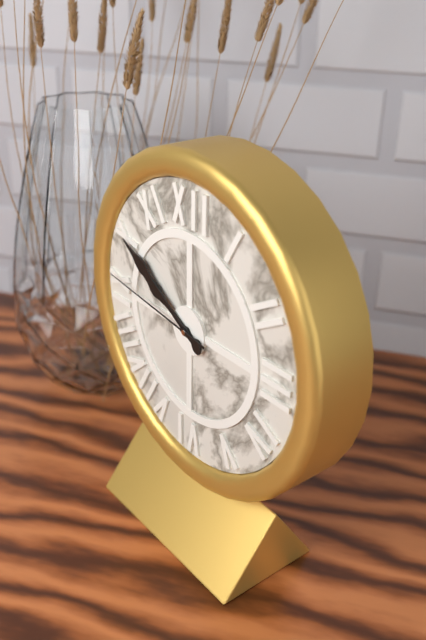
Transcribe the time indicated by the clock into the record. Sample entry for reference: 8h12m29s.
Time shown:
9h50m46s
